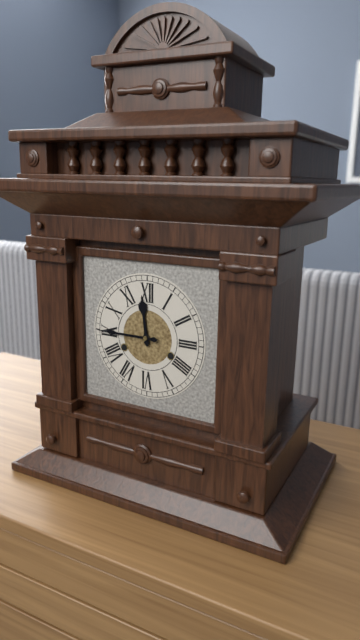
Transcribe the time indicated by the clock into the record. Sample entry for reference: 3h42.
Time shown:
11h45
